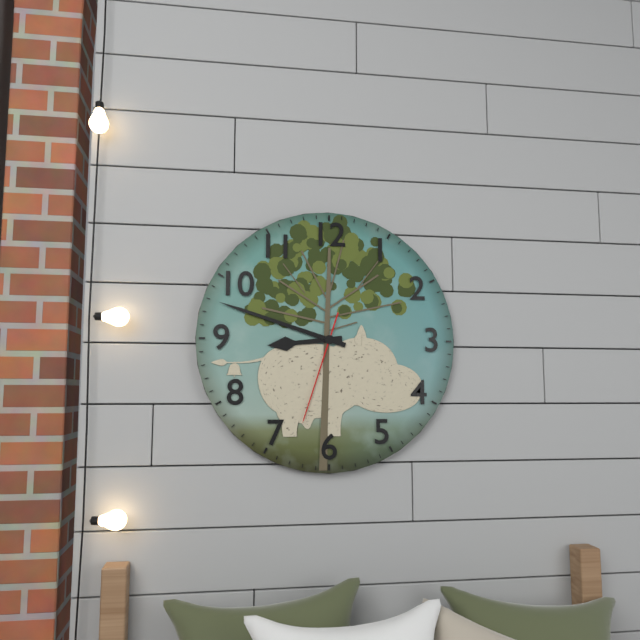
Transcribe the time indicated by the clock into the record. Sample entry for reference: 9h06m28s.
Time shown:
8h48m33s
